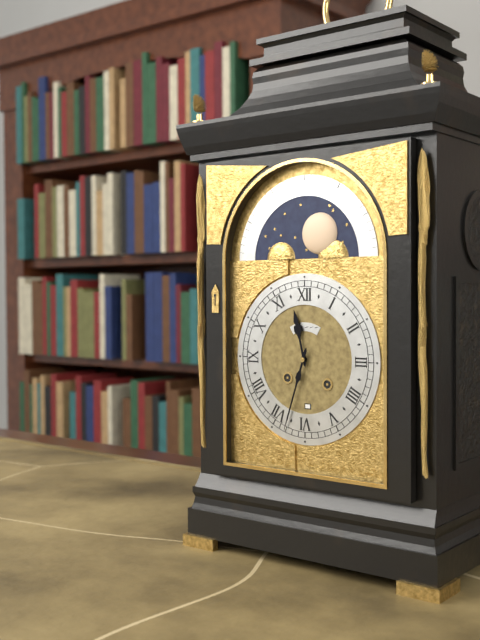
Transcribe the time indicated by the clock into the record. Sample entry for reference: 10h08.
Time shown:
11h33
